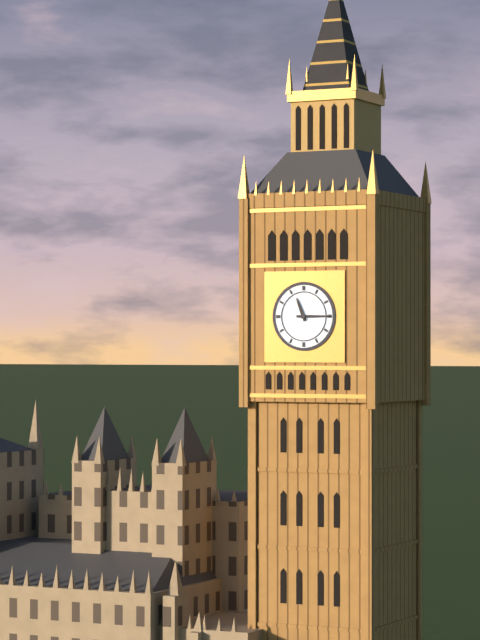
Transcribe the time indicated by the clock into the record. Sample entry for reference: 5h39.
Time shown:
11h15
